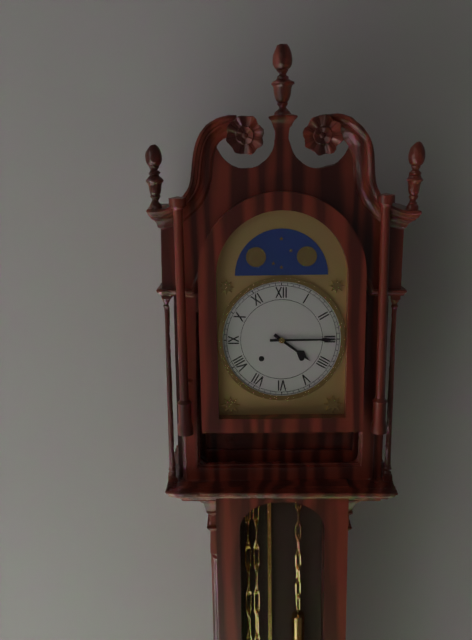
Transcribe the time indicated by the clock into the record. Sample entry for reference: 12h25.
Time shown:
4h15
